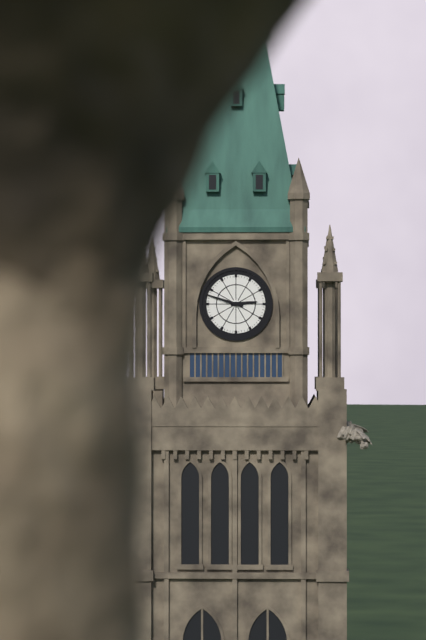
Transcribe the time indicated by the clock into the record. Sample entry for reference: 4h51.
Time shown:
2h48
